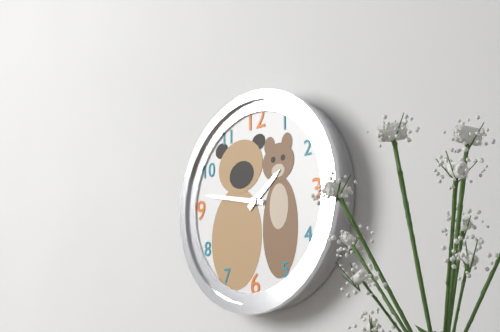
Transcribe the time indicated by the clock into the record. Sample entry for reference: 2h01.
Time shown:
1h47
